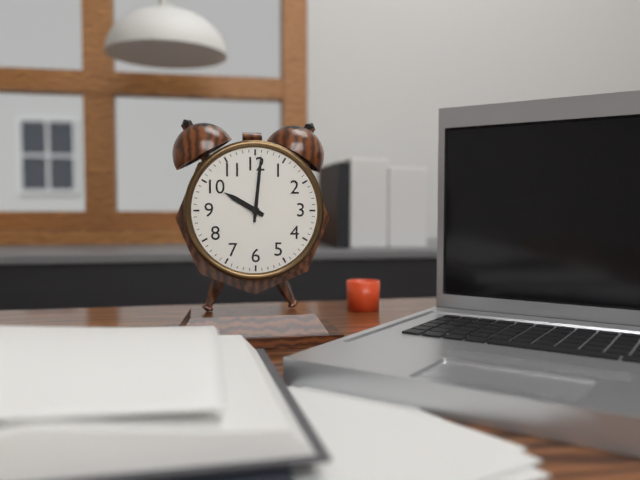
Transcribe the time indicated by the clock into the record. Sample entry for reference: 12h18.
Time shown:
10h01
